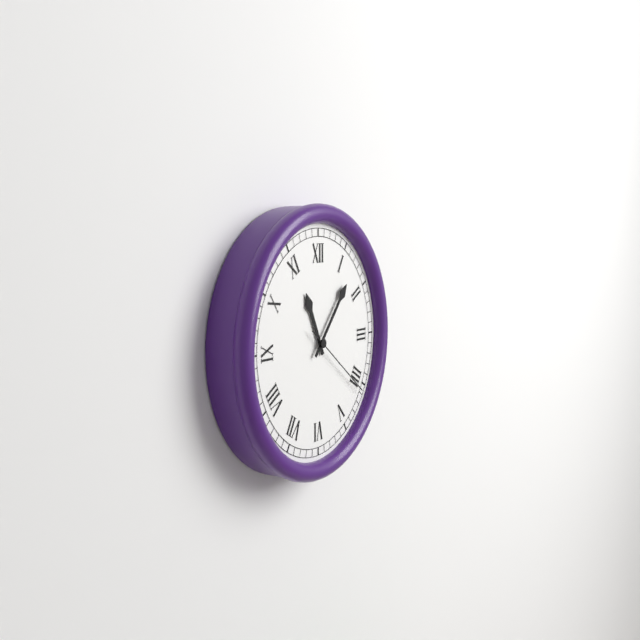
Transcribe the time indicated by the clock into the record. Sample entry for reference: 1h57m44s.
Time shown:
11h07m21s
